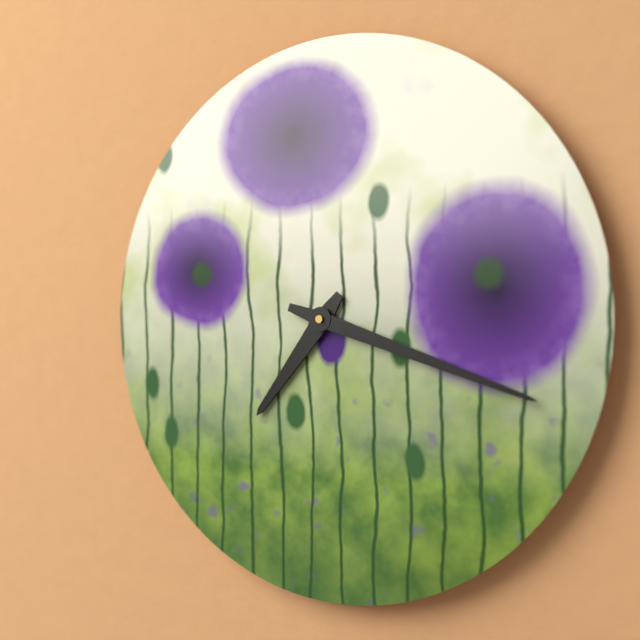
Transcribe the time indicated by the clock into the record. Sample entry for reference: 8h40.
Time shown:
7h18
